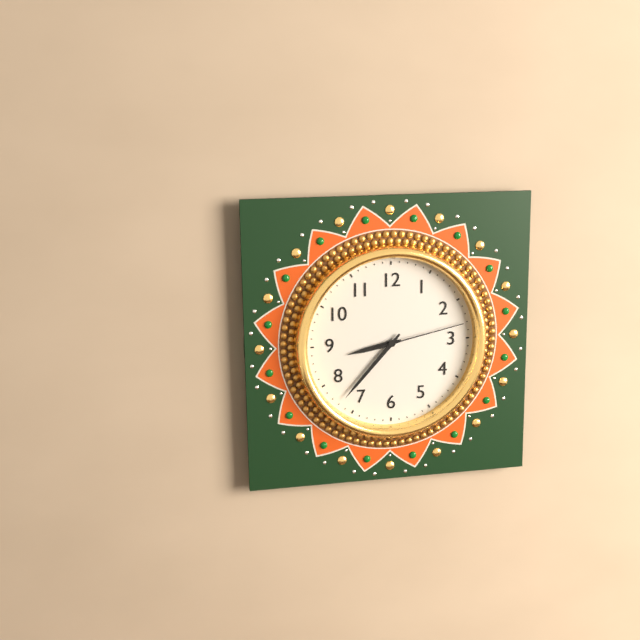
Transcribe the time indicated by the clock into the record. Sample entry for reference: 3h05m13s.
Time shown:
8h37m13s
